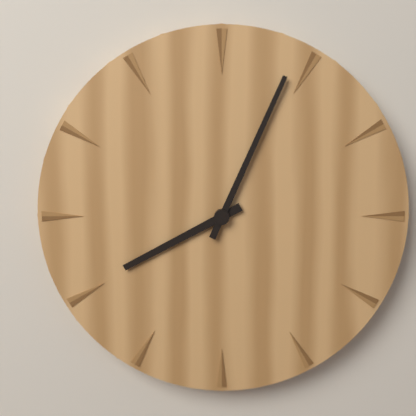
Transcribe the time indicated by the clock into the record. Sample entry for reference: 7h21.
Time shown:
8h04
